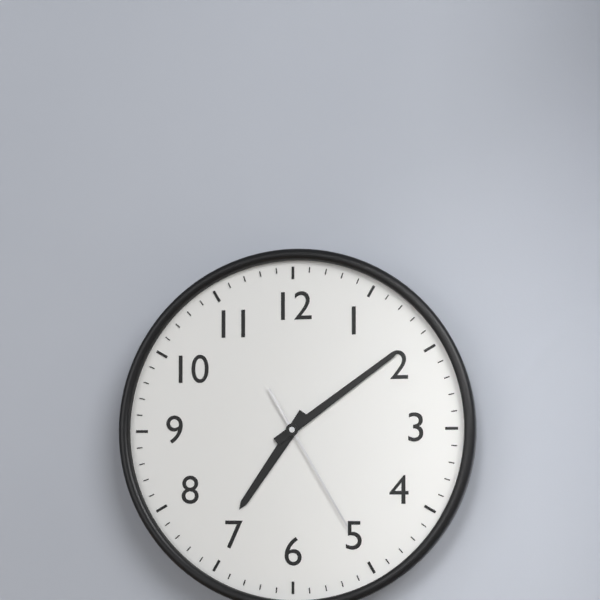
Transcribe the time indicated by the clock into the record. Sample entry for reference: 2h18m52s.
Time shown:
7h09m25s
